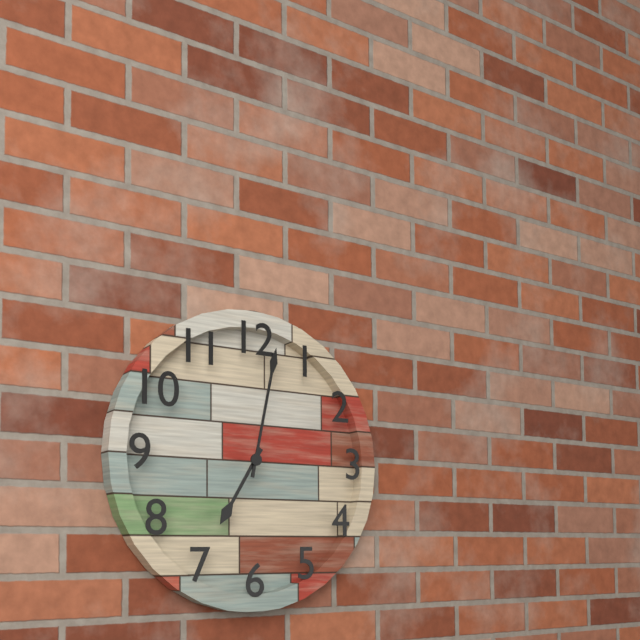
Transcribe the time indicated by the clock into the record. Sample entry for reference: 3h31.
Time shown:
7h02
